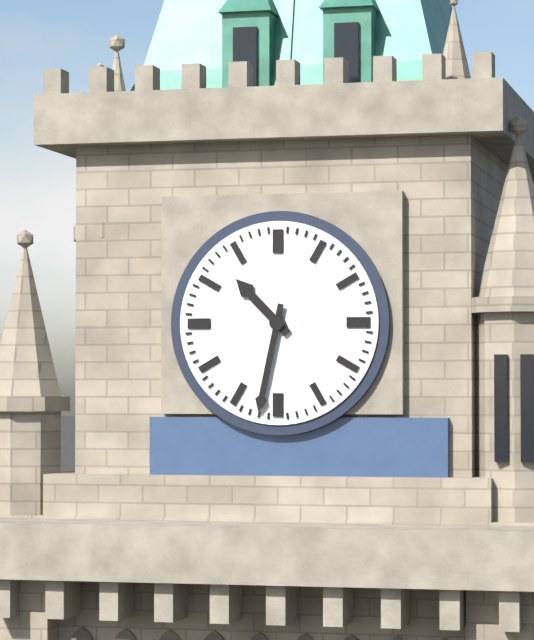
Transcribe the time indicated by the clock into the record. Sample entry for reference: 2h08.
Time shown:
10h32
